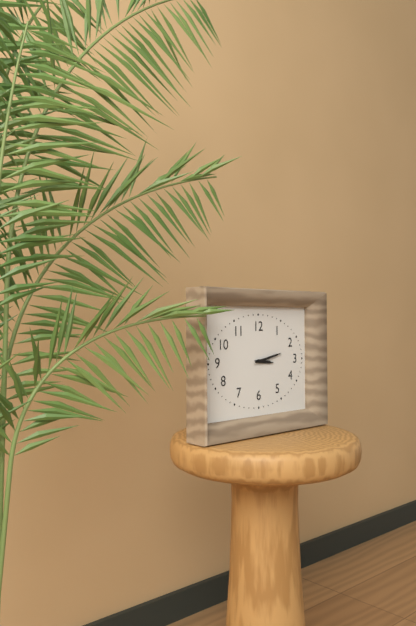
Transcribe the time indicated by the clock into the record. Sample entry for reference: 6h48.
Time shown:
3h13
